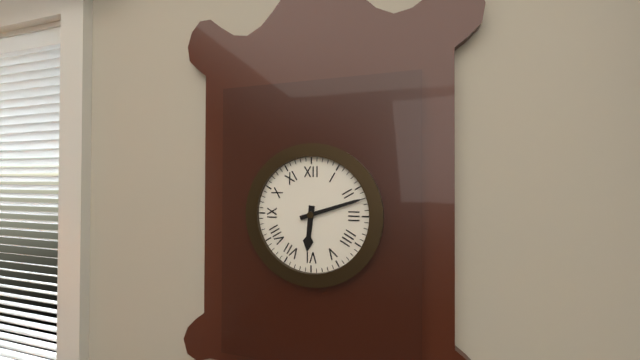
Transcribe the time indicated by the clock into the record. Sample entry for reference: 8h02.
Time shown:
6h12
